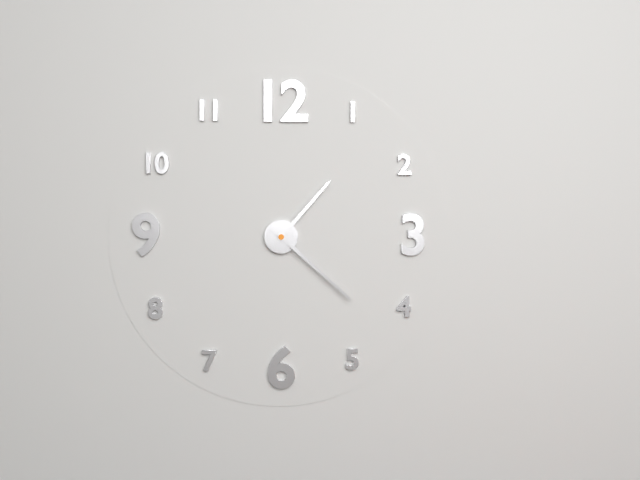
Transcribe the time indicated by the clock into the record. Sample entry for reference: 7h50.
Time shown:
1h22
